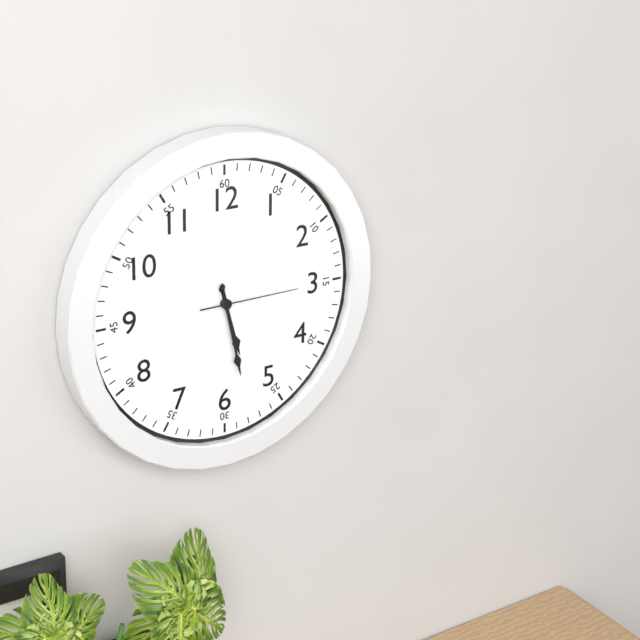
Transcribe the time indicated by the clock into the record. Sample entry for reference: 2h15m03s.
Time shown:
5h28m15s
